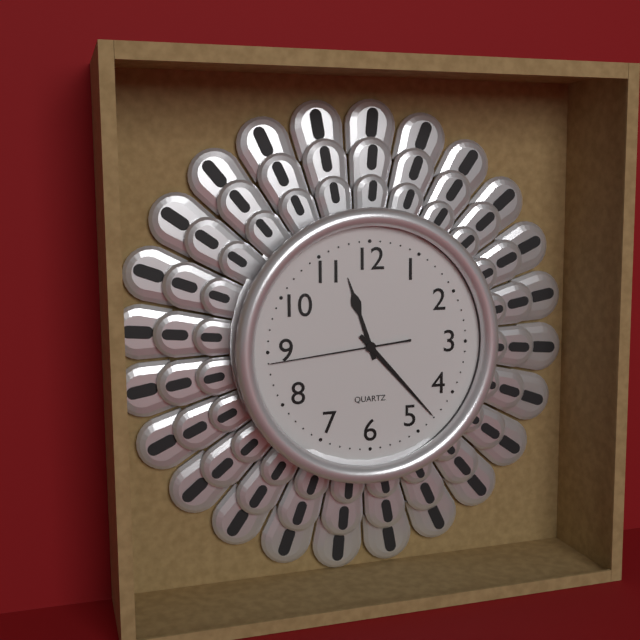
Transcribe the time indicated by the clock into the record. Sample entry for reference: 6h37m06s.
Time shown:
11h23m44s
